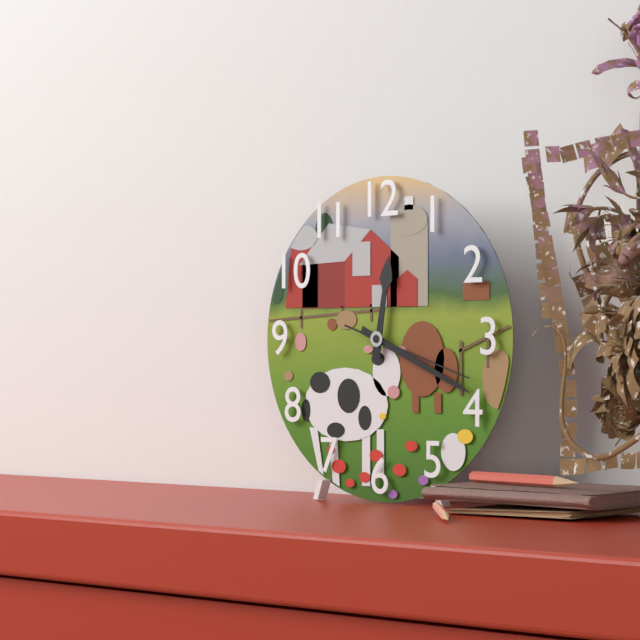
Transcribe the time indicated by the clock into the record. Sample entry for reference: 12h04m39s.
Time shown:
12h19m18s
